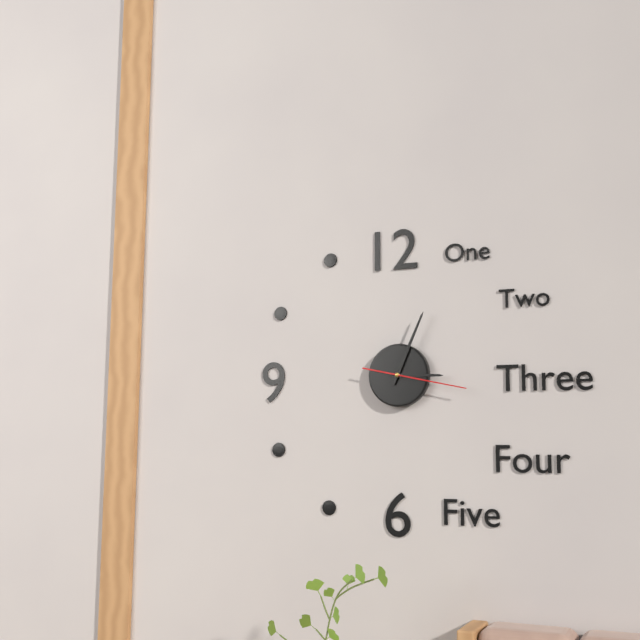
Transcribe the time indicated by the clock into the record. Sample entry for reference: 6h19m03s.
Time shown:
3h04m17s
